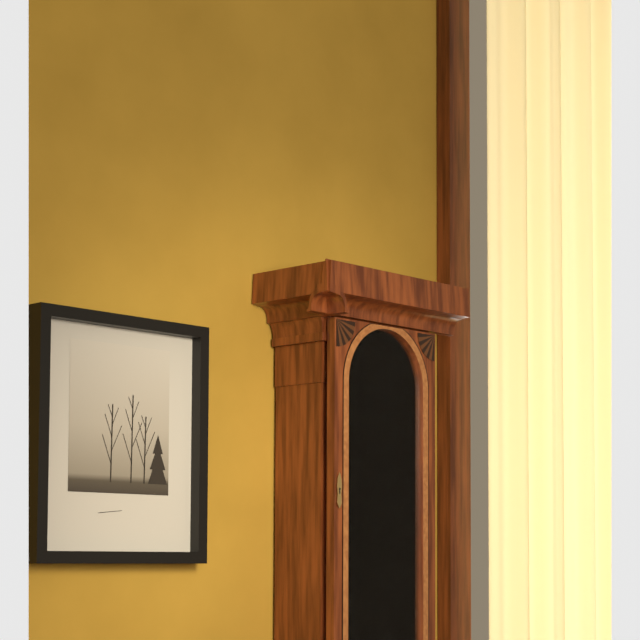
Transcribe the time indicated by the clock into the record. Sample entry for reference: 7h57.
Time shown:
2h10
